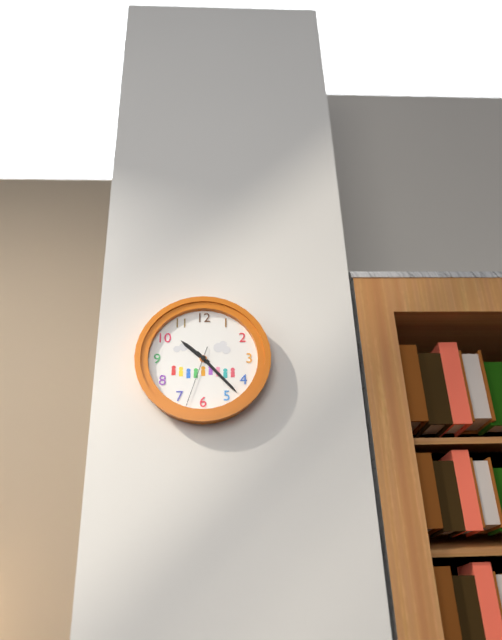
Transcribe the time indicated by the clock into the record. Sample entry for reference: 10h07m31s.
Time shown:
10h23m33s
